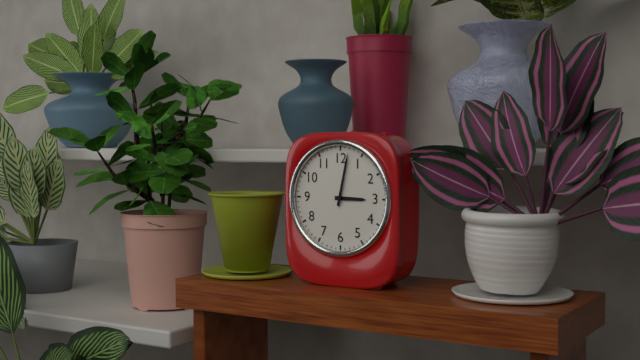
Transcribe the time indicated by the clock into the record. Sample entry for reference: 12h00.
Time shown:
3h02
